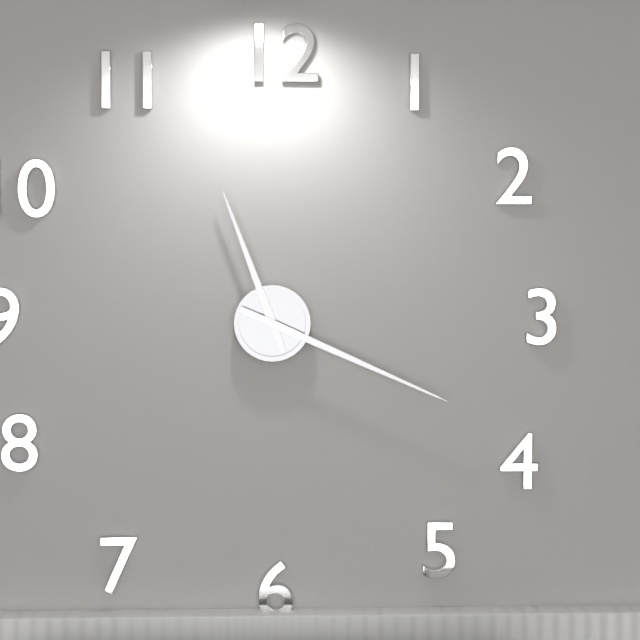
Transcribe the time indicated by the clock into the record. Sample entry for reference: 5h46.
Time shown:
11h19
